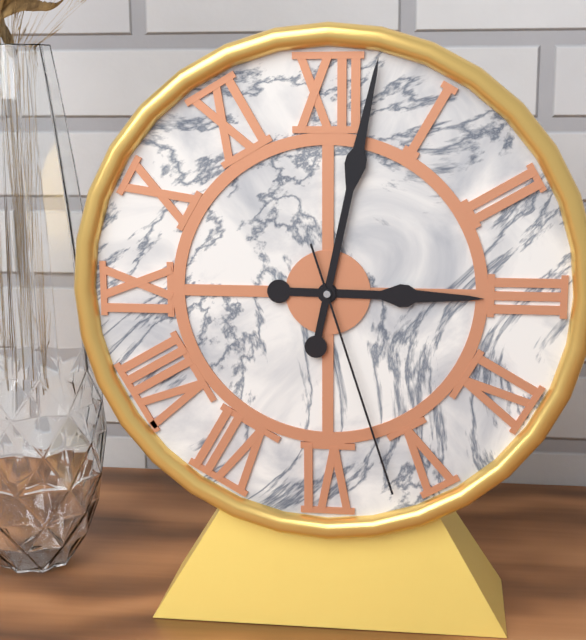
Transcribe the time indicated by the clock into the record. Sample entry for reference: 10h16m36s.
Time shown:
3h02m27s
